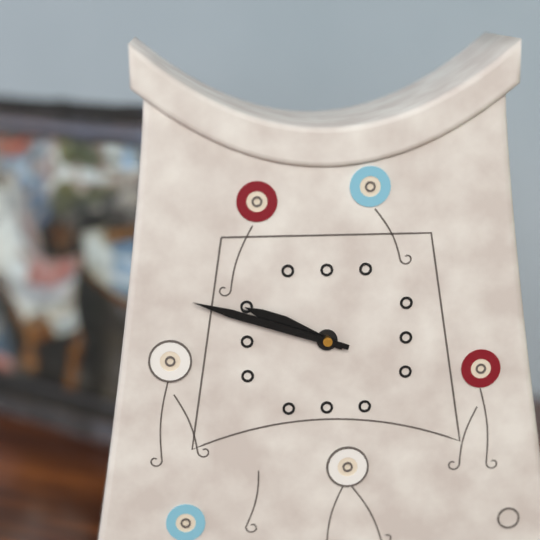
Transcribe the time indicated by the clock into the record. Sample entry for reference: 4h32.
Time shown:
9h48
